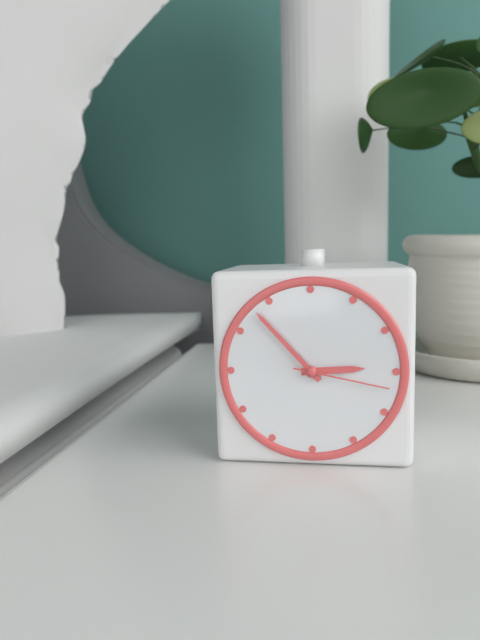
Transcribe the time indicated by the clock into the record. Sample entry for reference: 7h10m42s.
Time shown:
2h53m17s
